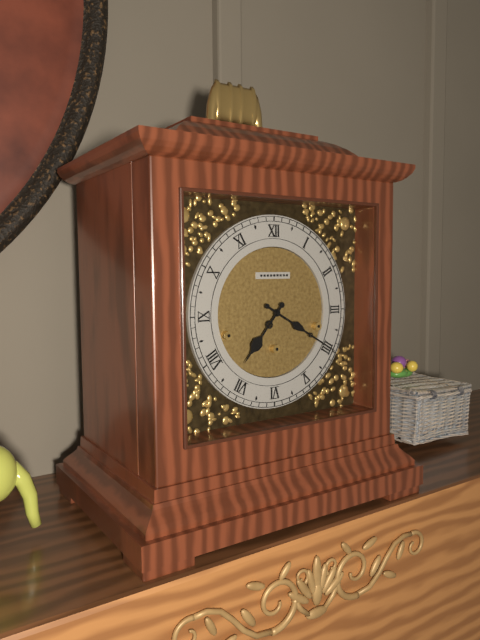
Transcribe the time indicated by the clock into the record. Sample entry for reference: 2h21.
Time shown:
7h20
